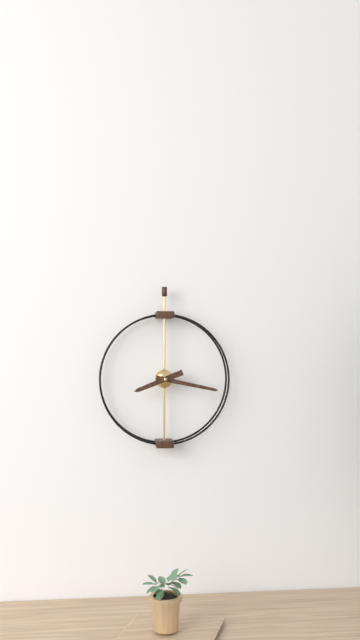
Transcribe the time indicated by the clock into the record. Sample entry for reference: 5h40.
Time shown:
8h17
